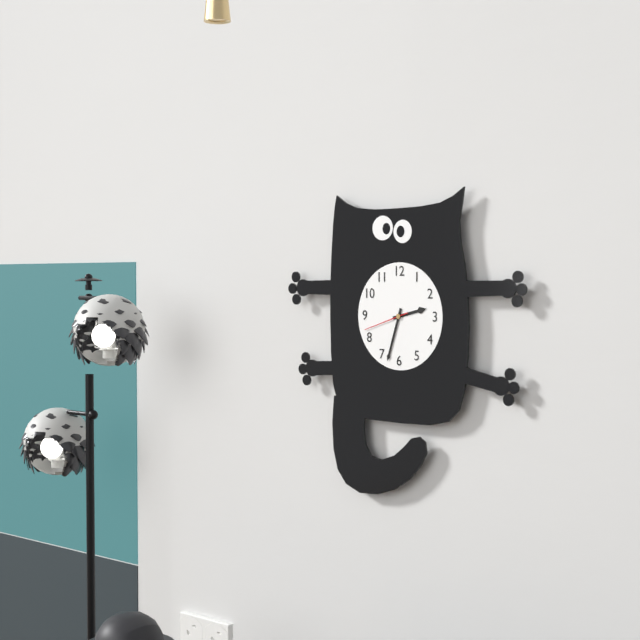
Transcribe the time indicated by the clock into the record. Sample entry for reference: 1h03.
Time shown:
2h33
